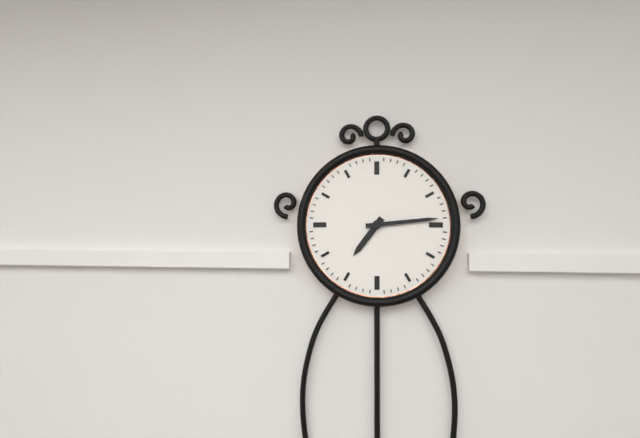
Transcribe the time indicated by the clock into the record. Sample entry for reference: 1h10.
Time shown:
7h14
